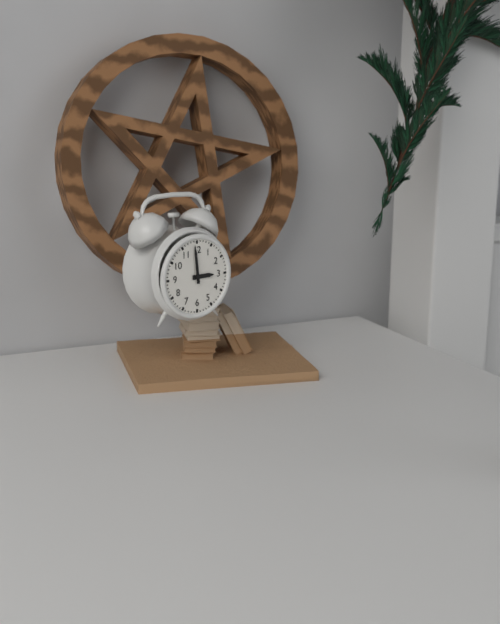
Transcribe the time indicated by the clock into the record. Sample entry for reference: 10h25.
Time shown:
2h59
